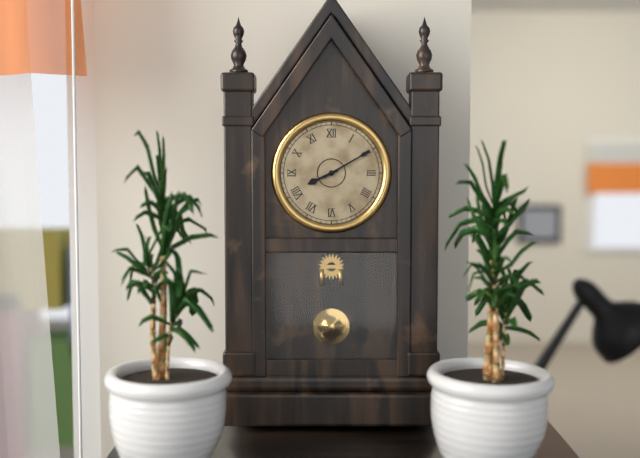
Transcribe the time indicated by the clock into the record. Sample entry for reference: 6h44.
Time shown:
8h10
